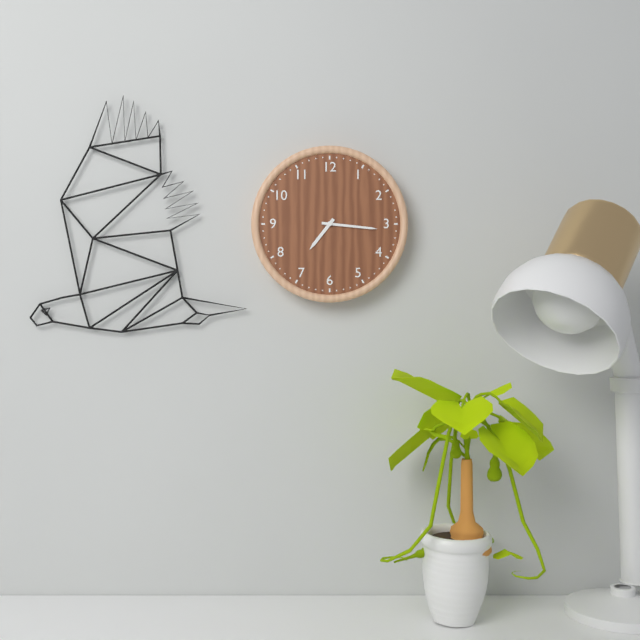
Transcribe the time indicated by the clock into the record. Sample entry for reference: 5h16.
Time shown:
7h16
